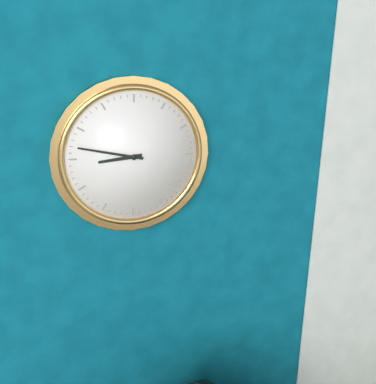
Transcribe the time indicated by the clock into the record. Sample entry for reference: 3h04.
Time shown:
8h47
